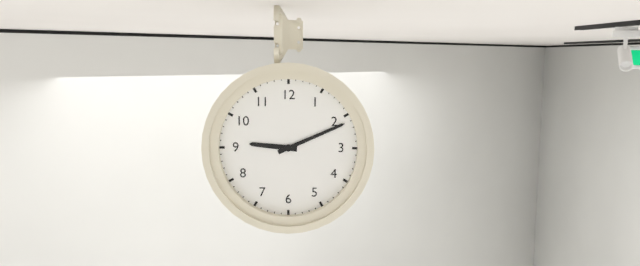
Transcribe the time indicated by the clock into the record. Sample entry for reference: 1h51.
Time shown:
9h11
